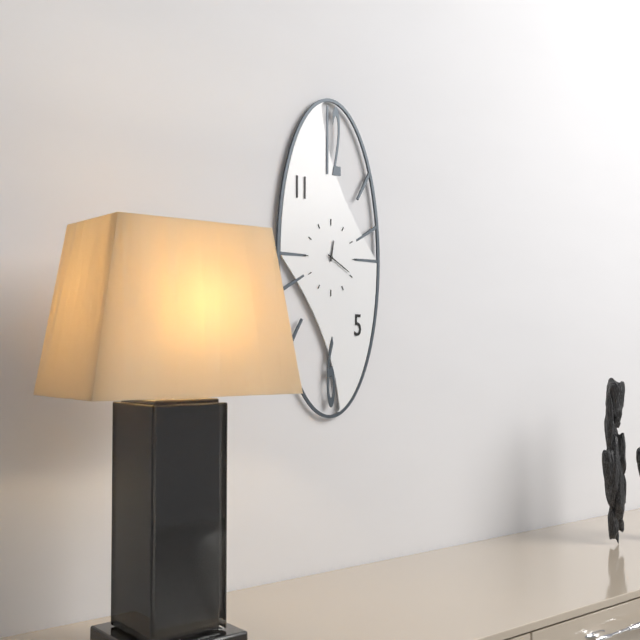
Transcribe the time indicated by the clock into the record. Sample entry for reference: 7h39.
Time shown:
12h20
